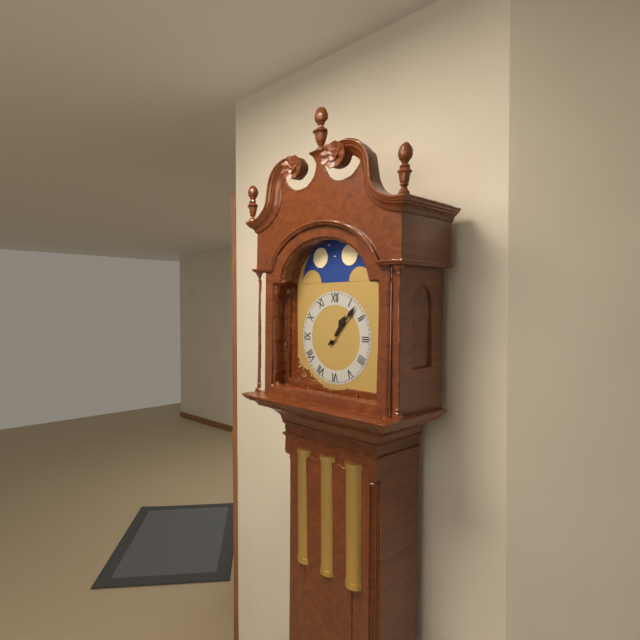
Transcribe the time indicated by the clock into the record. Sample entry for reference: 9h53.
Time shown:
1h07
